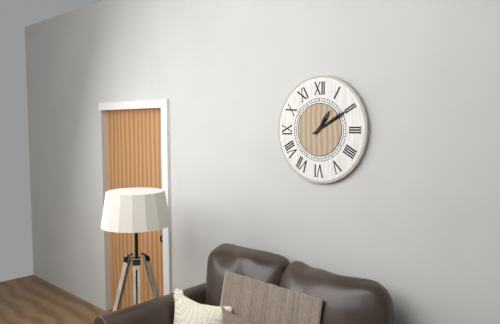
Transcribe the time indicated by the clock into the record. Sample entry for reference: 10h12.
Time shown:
1h10
